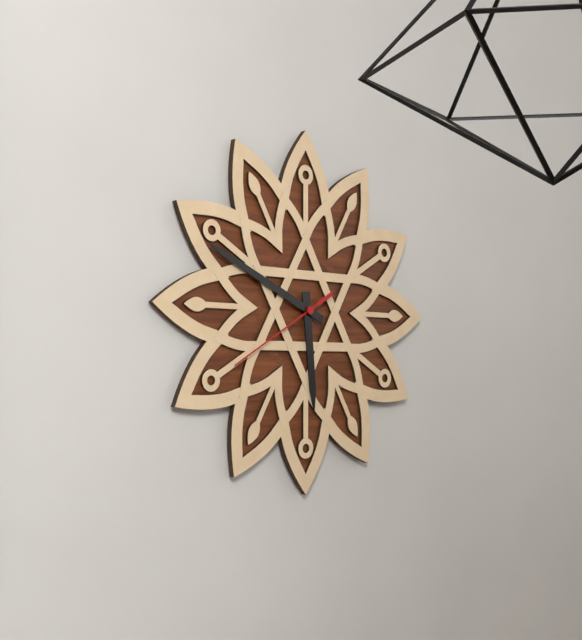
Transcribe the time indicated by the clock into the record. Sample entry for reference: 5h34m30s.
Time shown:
5h49m40s
